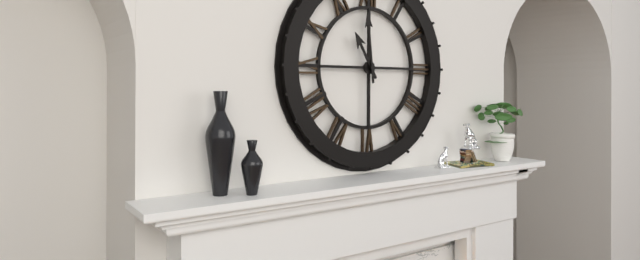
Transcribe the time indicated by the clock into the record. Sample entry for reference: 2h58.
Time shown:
10h59
